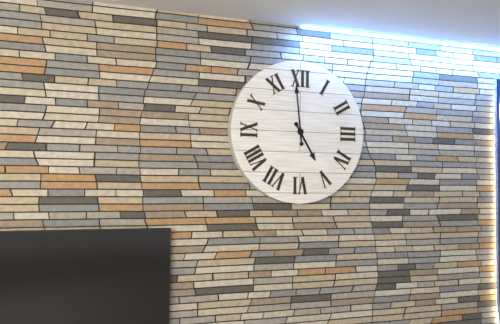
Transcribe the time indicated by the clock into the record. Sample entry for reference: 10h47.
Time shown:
4h59
